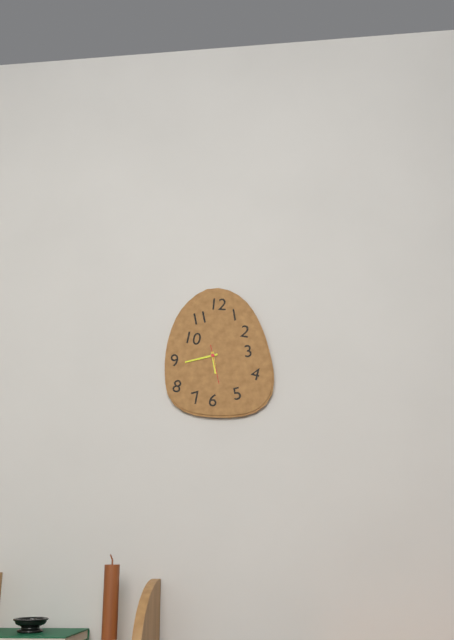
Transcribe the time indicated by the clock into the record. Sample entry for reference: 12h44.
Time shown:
5h43
